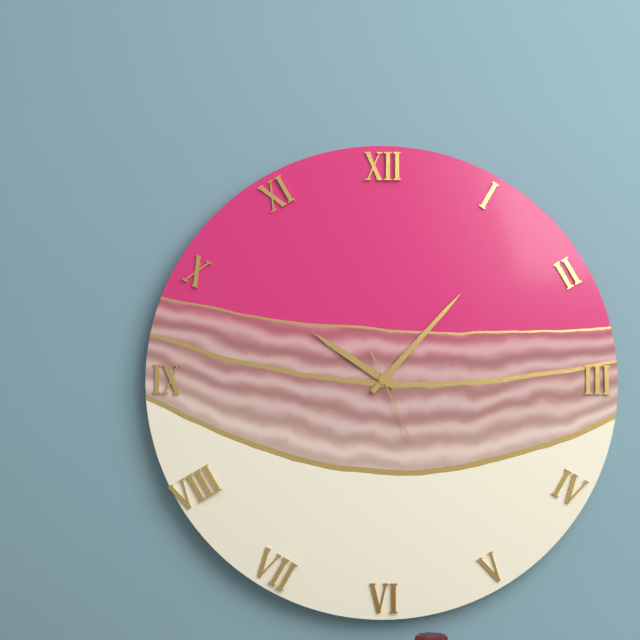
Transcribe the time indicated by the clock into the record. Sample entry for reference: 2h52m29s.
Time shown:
10h07m26s
